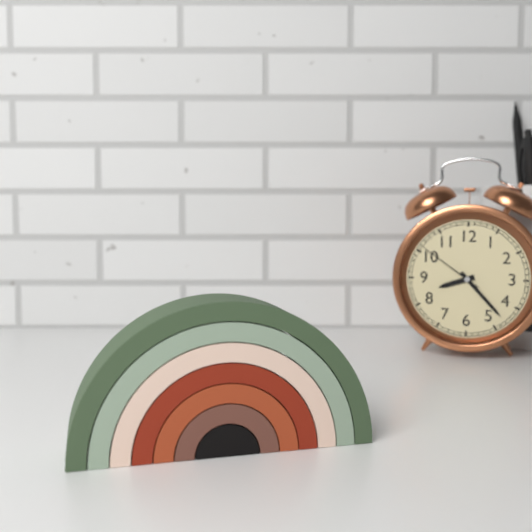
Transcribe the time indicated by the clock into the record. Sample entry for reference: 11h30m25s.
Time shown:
8h23m51s
